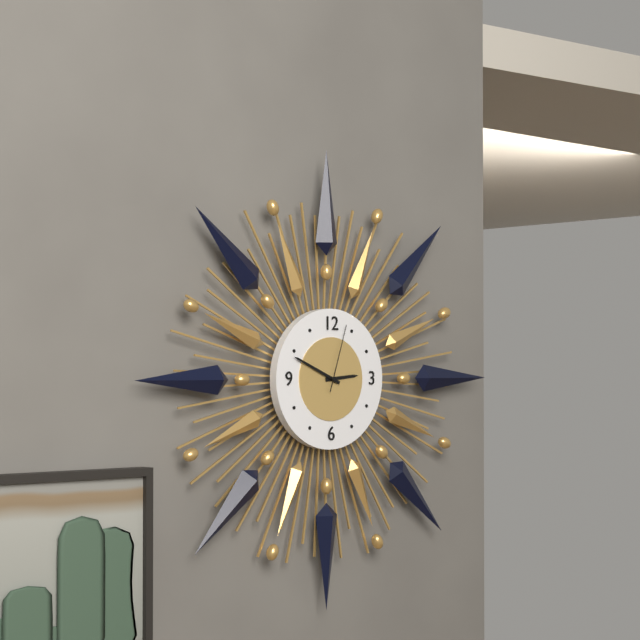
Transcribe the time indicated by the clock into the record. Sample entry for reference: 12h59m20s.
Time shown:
2h49m03s
